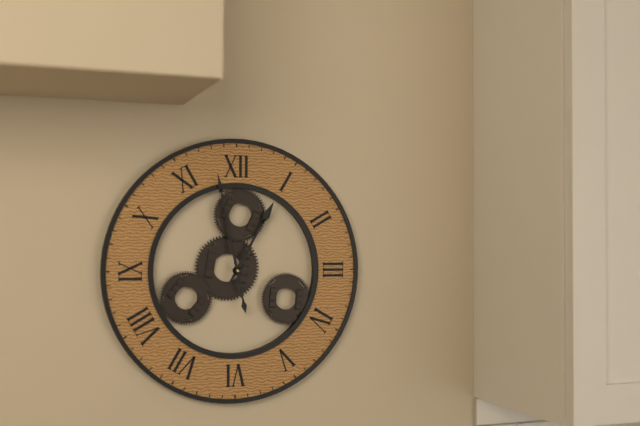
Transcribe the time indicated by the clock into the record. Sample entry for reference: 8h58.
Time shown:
12h58
